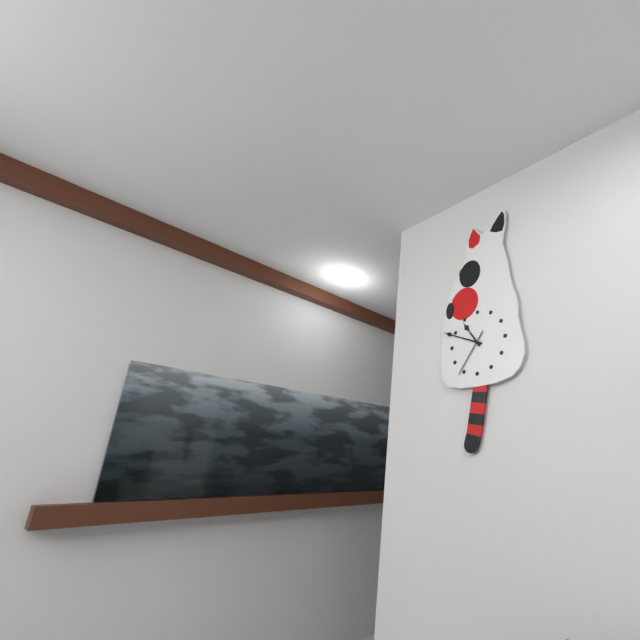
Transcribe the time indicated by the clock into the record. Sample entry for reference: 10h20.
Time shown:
10h49
